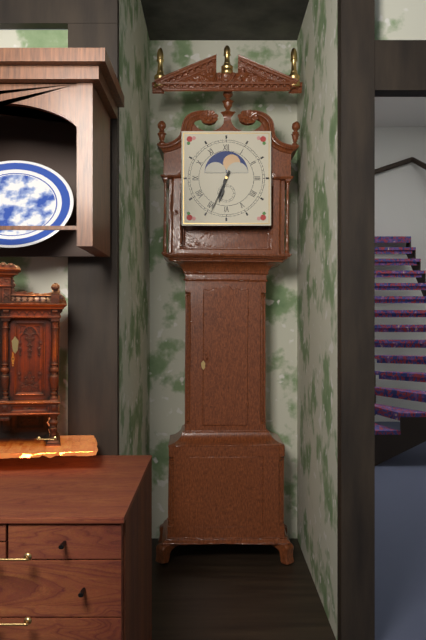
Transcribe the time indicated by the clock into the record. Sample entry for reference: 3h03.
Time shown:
6h34
